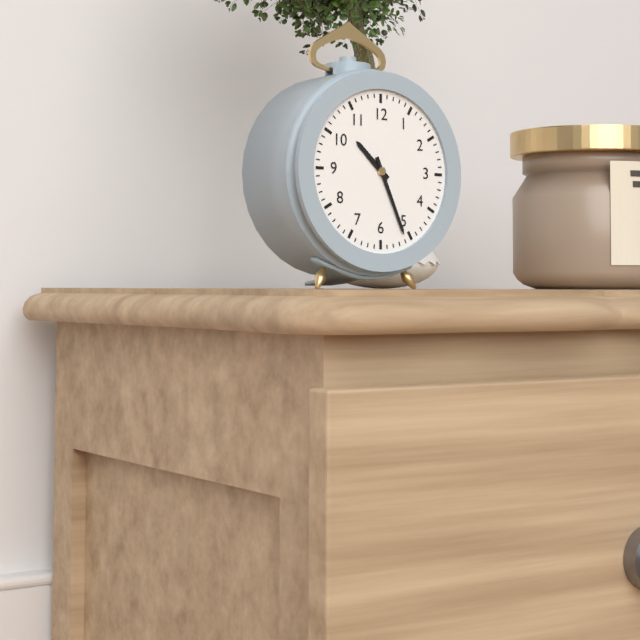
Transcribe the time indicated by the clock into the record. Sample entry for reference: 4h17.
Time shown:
10h26
